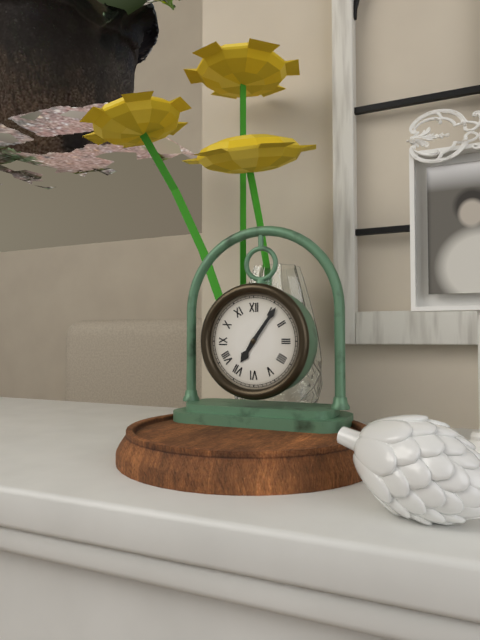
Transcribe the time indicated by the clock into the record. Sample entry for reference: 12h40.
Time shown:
7h06
